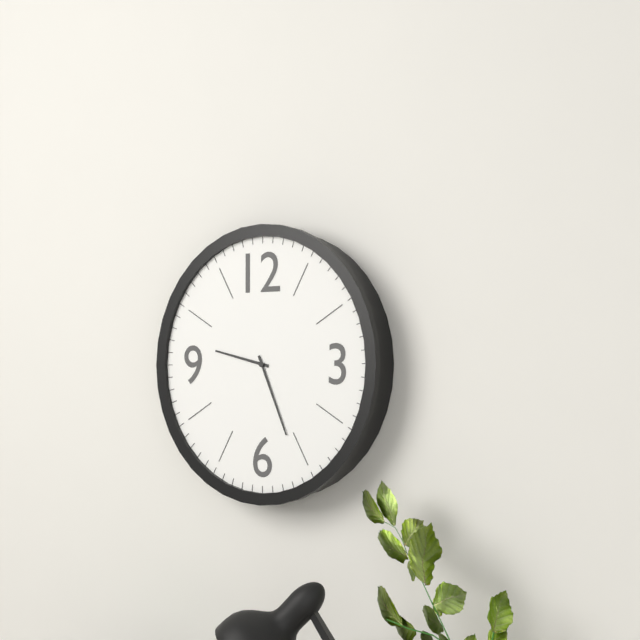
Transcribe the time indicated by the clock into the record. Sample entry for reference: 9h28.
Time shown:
9h26
